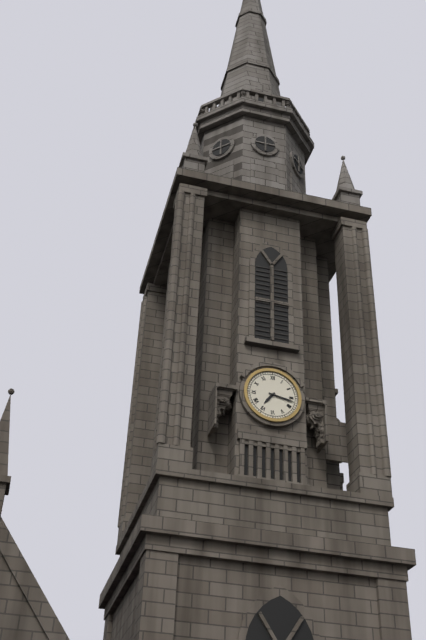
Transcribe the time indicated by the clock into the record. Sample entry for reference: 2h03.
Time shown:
7h17
